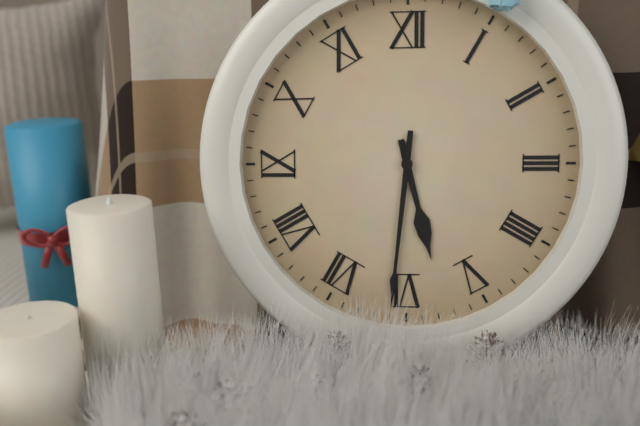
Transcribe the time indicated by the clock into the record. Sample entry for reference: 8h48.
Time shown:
5h31
